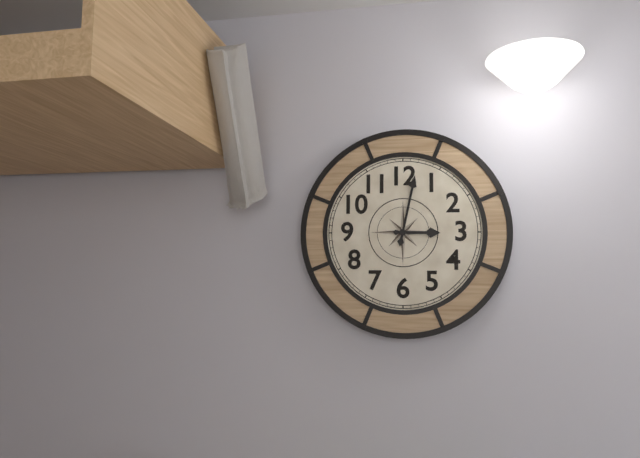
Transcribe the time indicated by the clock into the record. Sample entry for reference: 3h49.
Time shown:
3h02
